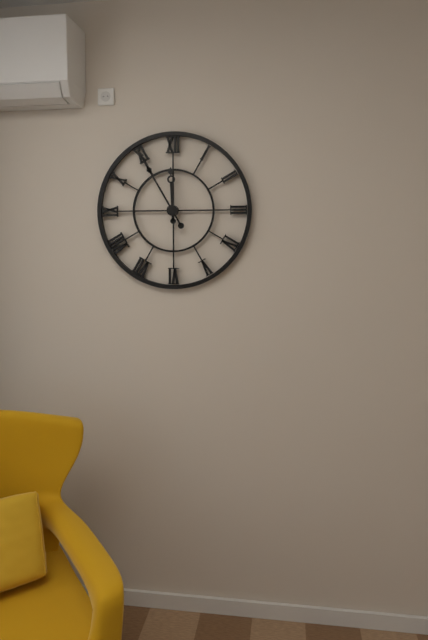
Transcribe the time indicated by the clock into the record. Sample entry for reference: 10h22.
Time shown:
11h55
